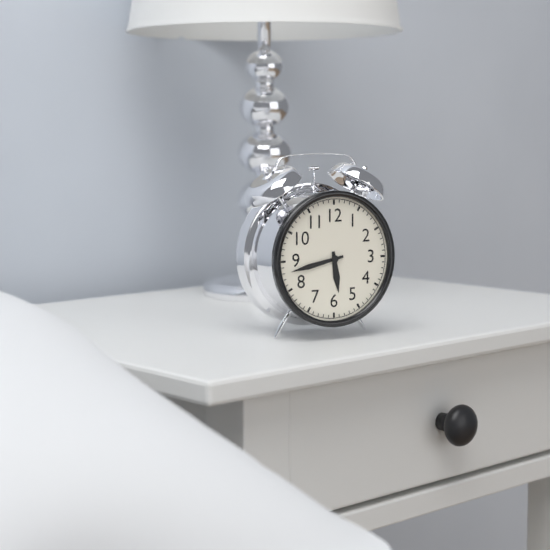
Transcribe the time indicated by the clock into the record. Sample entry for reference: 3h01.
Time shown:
5h43
